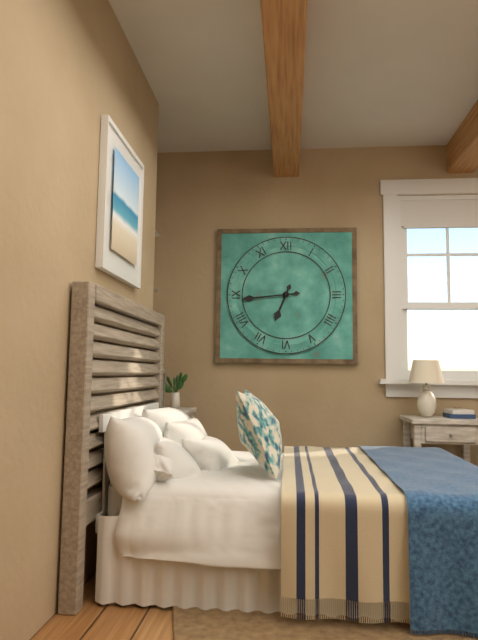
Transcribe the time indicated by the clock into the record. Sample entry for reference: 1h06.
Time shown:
6h44
